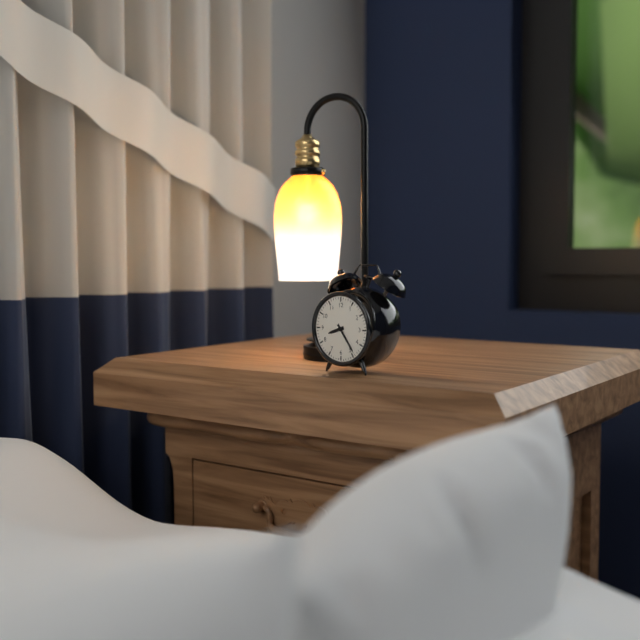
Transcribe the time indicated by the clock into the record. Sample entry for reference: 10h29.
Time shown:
8h24
